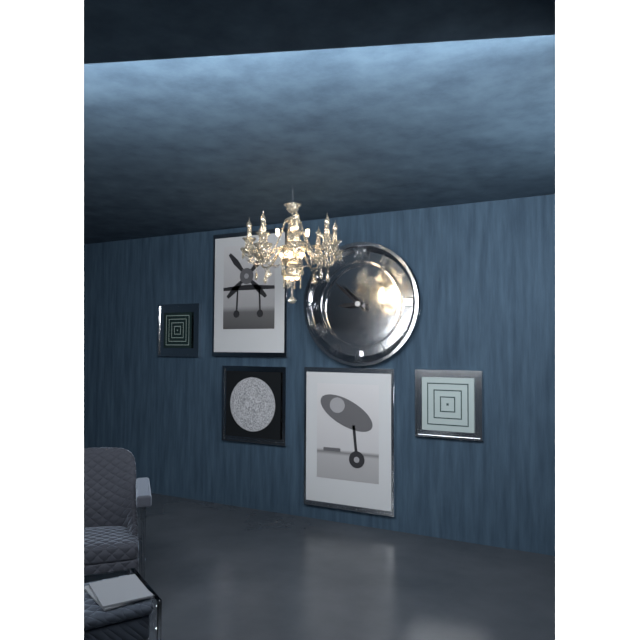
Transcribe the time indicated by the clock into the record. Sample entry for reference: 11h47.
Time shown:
8h52
